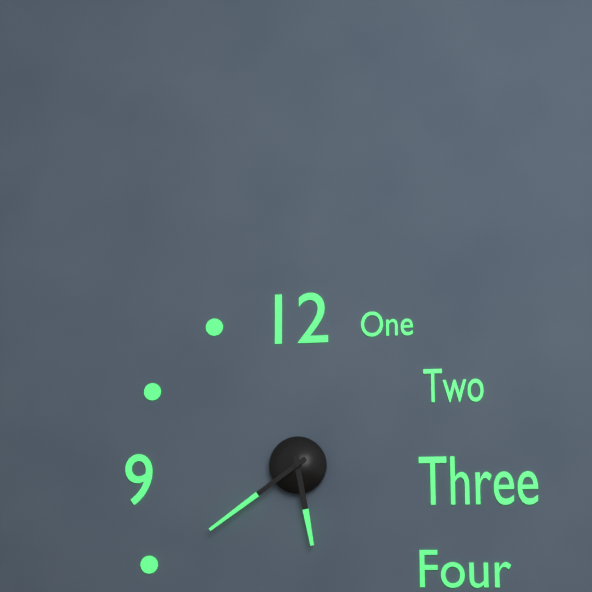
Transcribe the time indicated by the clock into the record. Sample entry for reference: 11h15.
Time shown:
5h39
